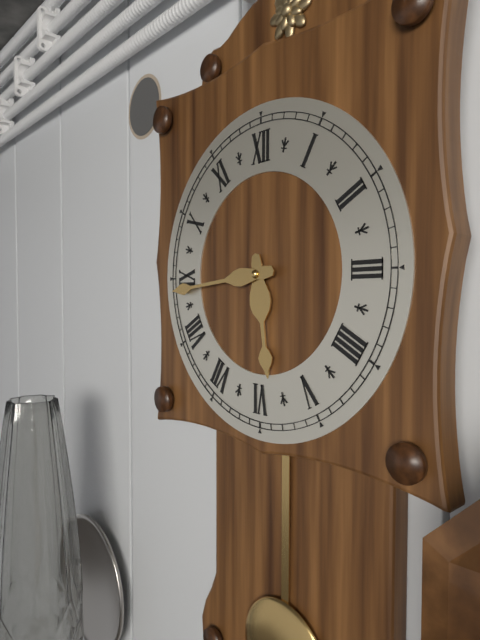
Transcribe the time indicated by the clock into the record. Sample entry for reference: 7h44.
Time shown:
5h44
